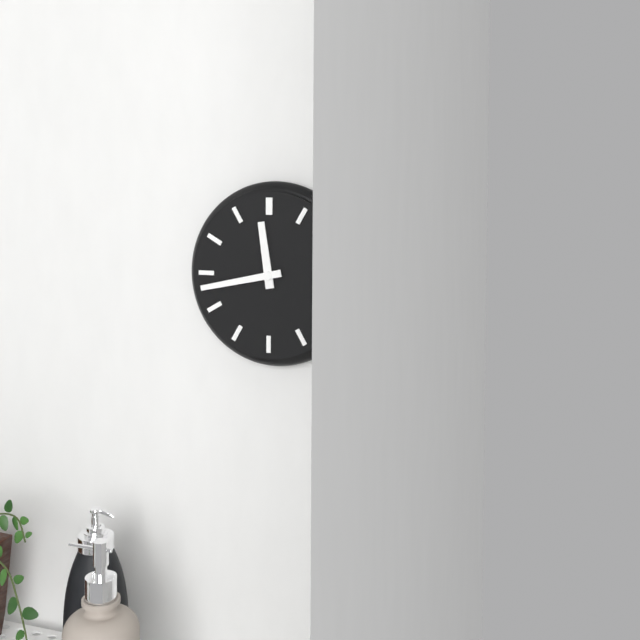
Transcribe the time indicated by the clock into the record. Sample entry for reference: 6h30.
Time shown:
11h43
